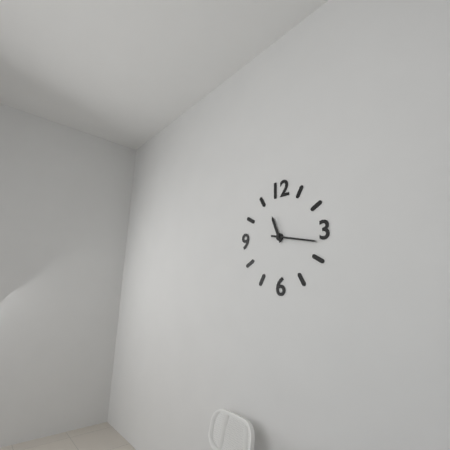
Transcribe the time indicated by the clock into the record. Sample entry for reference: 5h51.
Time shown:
11h17
